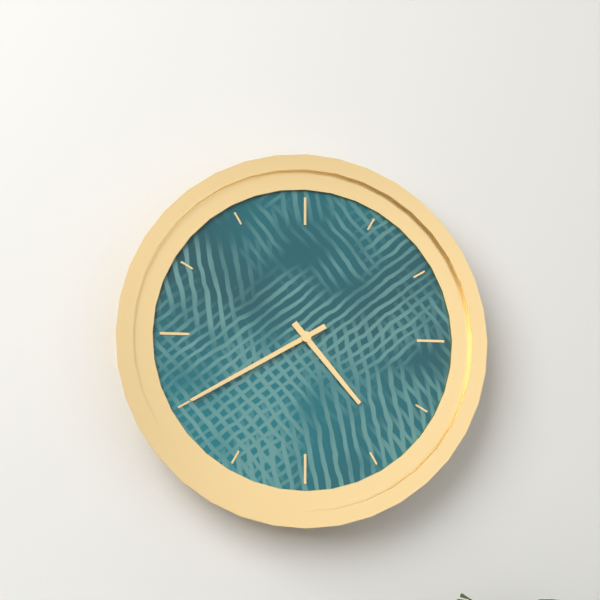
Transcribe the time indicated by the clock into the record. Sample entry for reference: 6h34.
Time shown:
4h40
